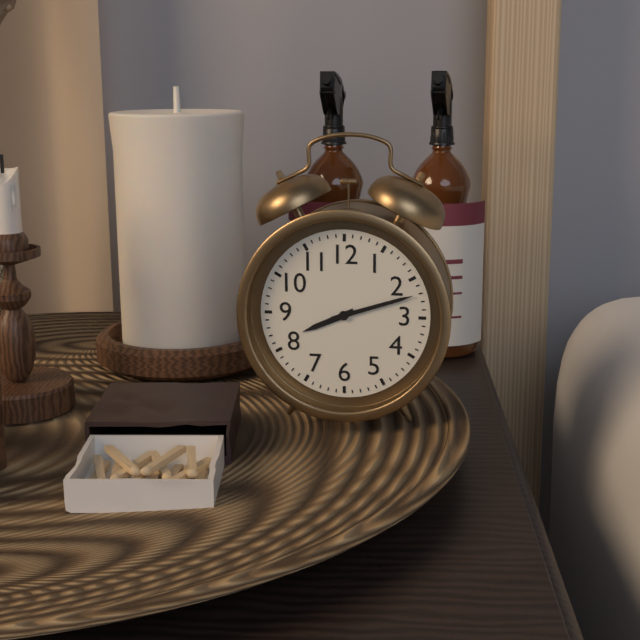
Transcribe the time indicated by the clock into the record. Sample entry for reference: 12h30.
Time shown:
8h12
